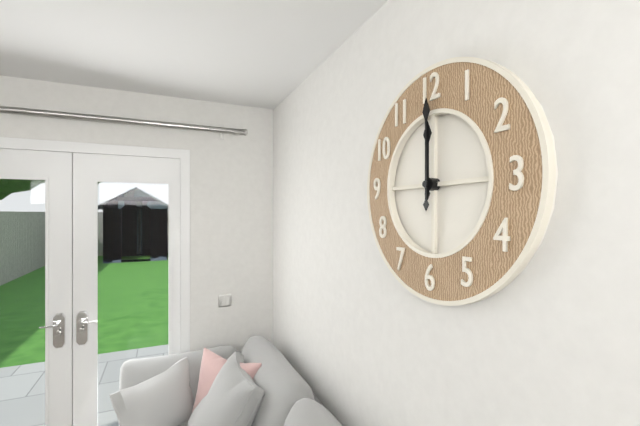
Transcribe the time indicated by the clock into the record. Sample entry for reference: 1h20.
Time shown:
12h00
